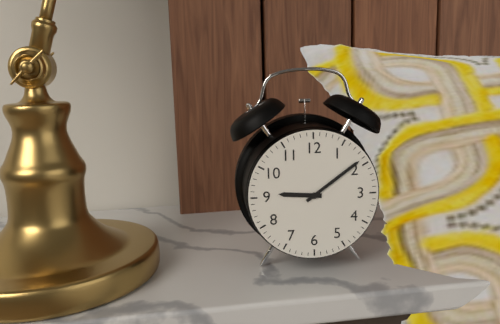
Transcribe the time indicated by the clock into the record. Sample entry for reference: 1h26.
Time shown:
9h09
